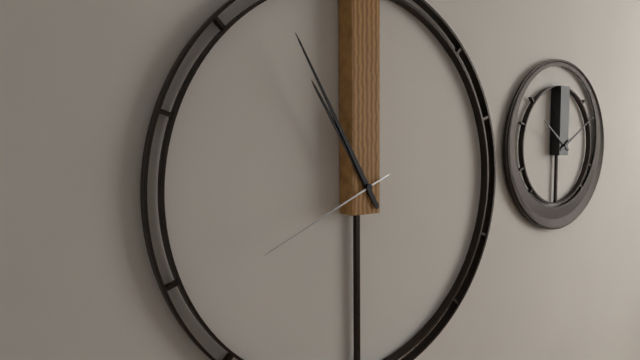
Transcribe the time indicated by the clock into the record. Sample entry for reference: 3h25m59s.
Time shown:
10h55m41s
